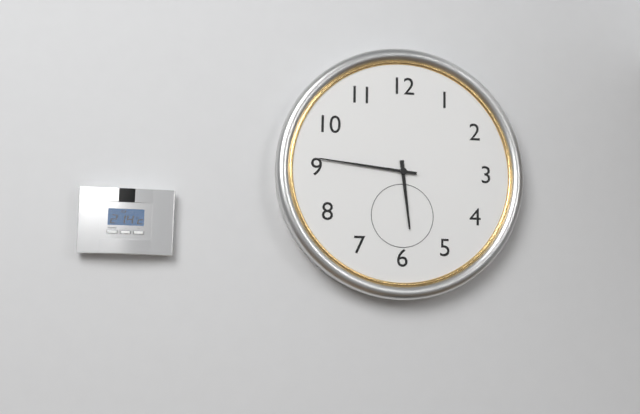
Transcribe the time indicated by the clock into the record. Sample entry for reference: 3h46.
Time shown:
5h46
